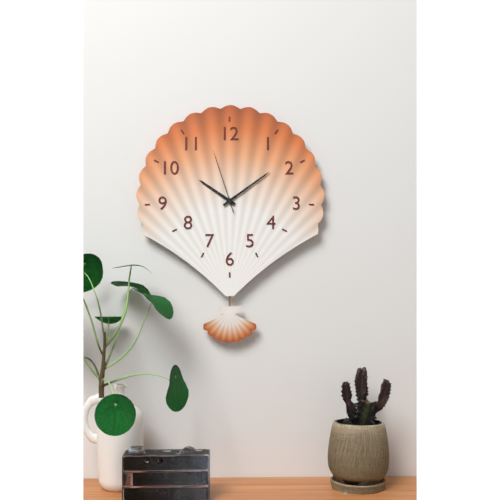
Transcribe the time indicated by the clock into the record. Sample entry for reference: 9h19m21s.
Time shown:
10h09m57s
